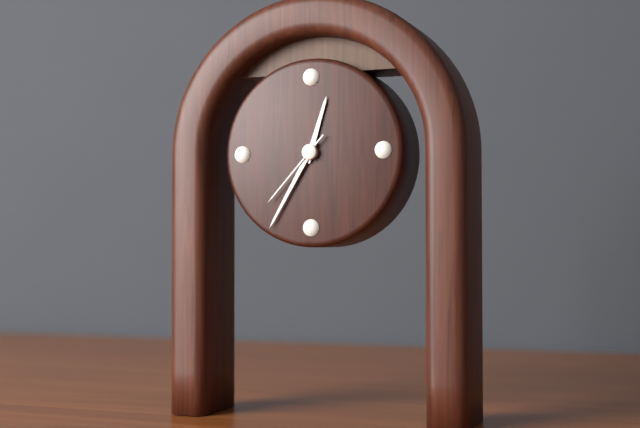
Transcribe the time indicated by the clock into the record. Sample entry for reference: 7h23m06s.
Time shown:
12h35m37s
